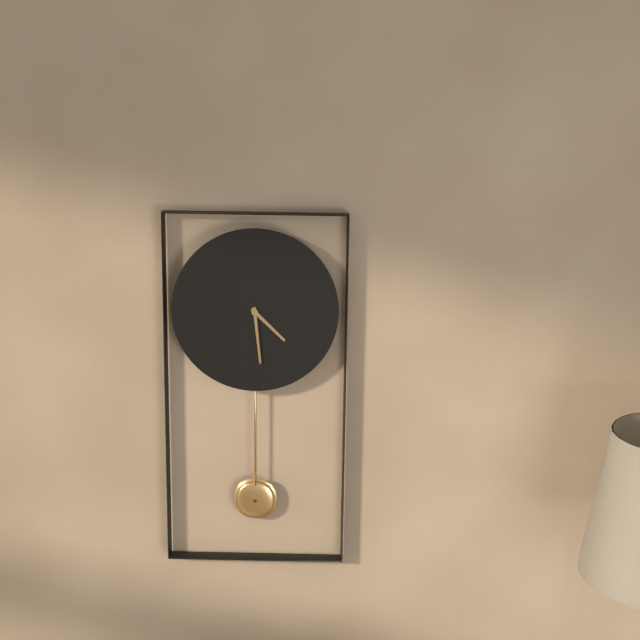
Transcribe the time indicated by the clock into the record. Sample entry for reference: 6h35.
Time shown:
4h29
